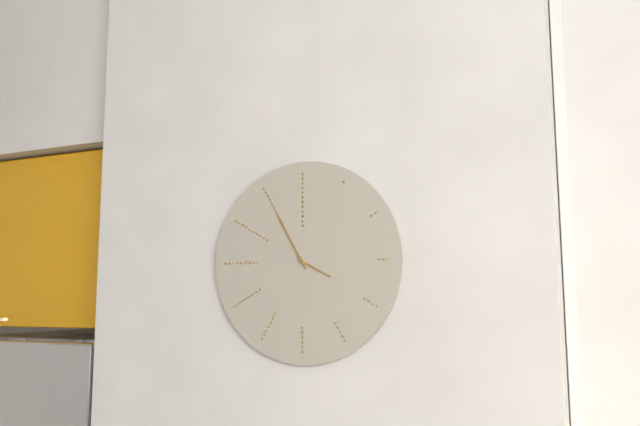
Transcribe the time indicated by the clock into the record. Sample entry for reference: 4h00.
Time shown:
3h55
